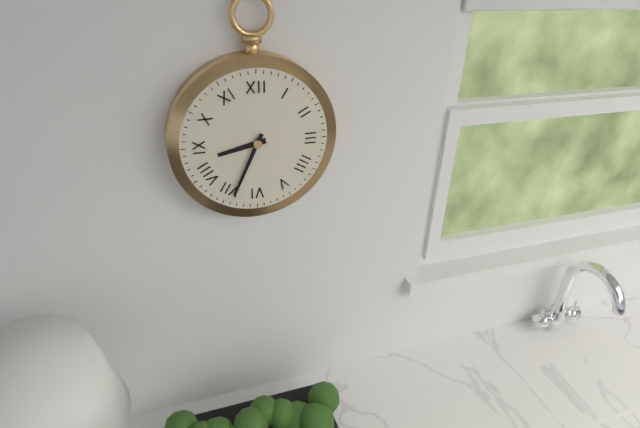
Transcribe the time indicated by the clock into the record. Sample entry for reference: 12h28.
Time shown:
8h34
